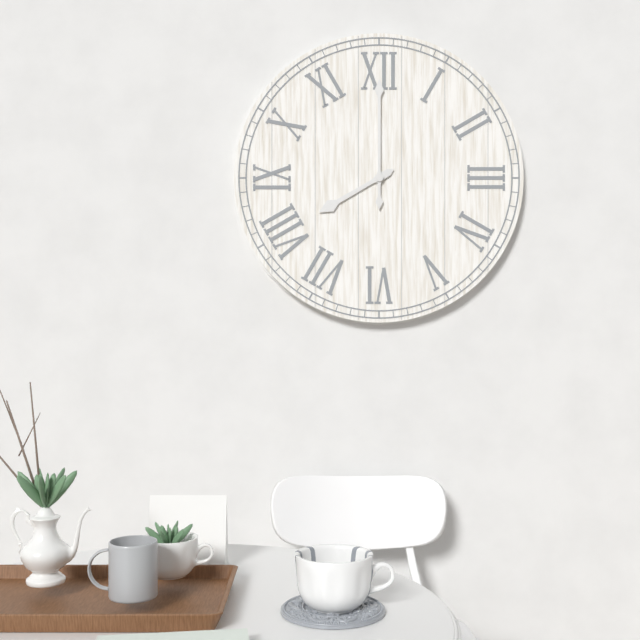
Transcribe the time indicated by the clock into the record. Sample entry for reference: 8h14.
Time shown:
8h00
